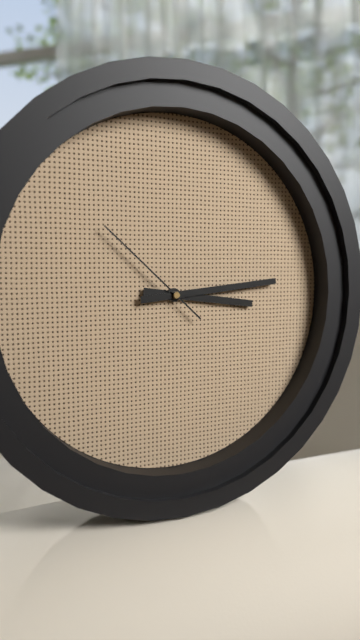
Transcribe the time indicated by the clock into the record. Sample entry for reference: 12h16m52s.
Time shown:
3h14m52s
